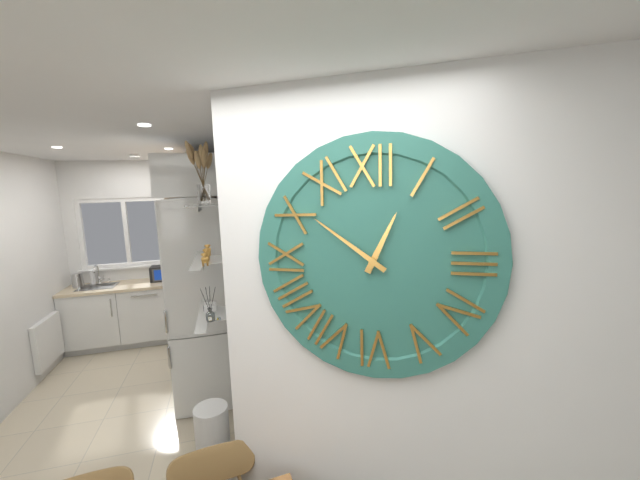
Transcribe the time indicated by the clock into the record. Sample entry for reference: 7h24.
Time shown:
12h51
